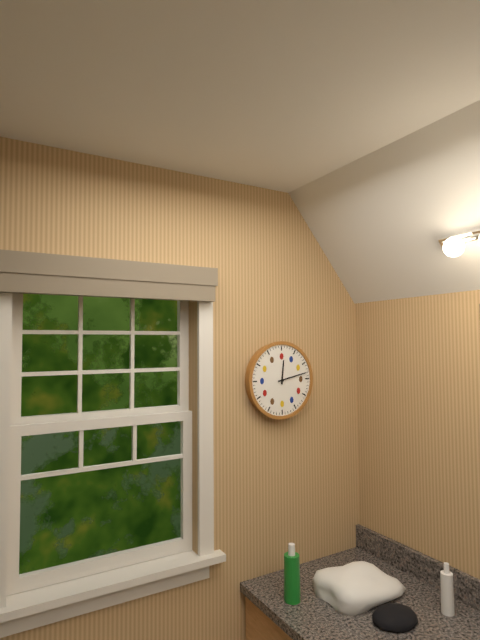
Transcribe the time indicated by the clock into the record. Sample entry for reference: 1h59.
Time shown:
12h13
